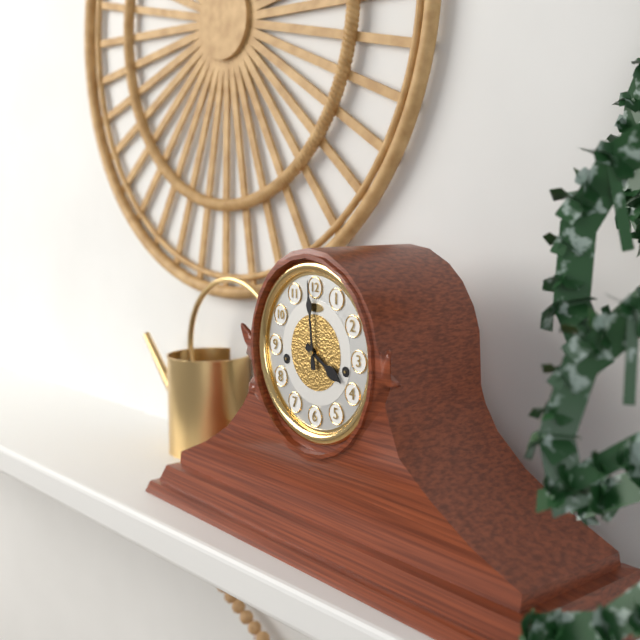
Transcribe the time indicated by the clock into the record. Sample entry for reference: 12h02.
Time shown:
3h59
